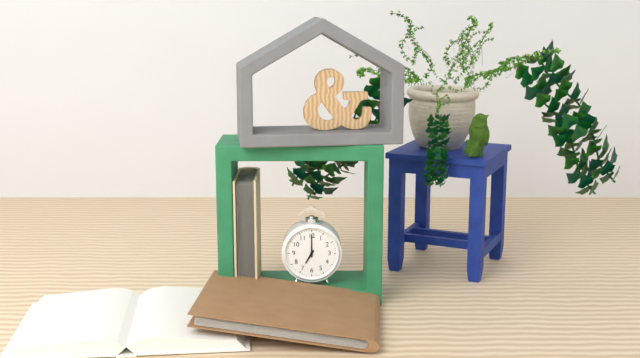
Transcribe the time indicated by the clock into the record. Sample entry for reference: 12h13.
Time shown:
7h00
